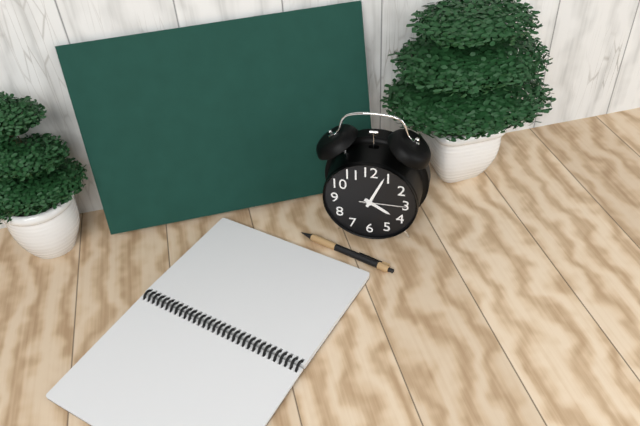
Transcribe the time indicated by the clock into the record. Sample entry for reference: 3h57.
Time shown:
4h04
